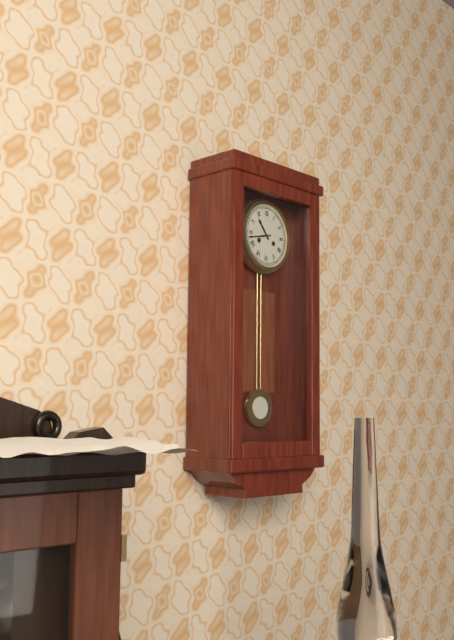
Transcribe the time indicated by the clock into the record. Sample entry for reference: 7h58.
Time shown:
10h43
